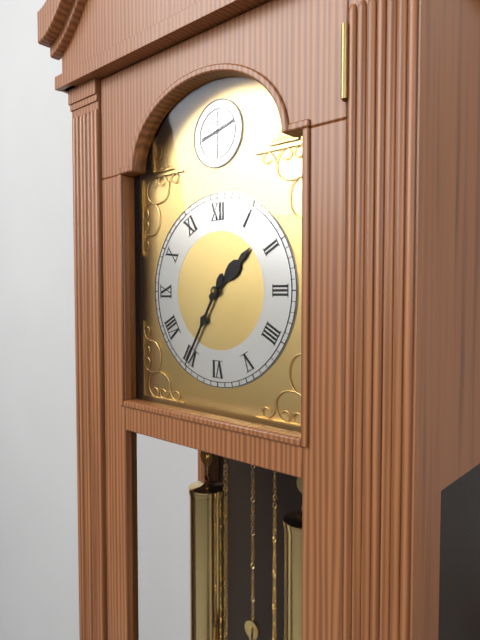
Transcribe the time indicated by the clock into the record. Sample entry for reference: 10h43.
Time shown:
1h35
